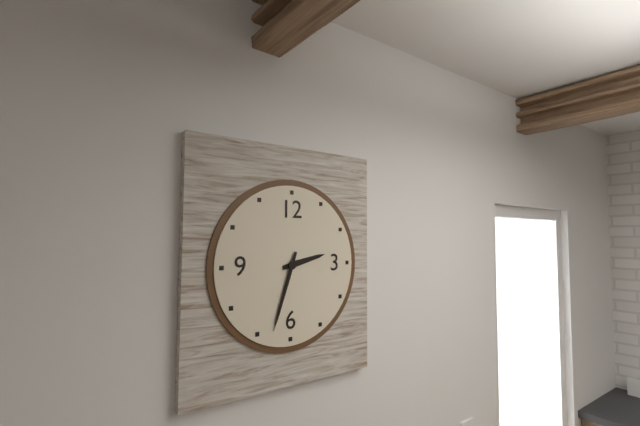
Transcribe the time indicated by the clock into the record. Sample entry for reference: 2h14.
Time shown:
2h33
